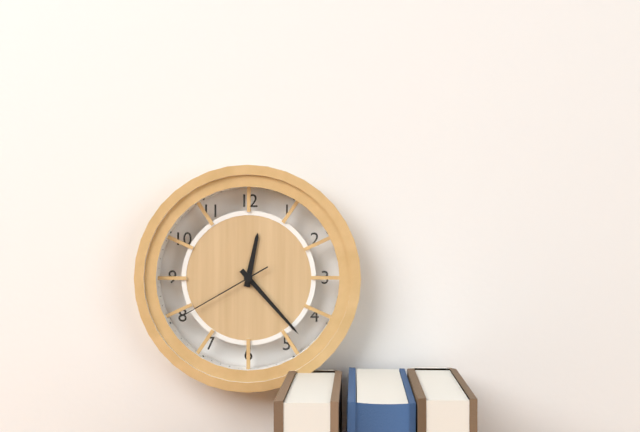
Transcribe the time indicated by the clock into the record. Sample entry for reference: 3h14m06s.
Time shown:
12h23m40s
